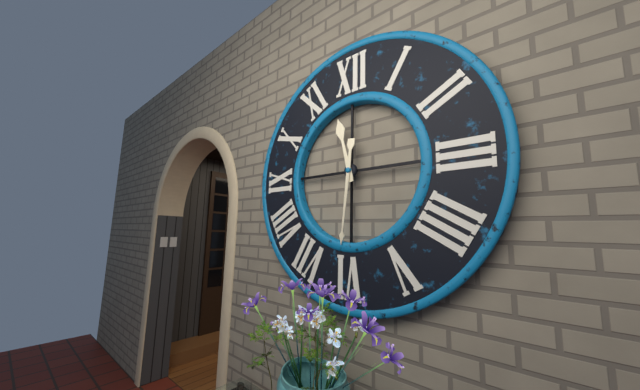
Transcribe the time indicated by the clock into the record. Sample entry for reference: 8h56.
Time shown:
11h31
